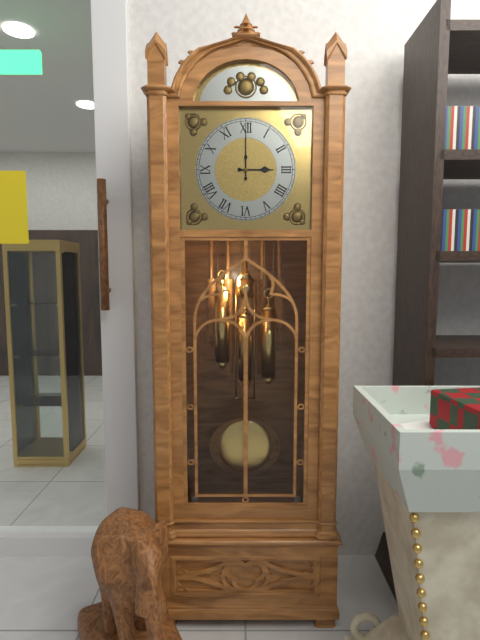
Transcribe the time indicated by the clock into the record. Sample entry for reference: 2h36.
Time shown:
3h00
